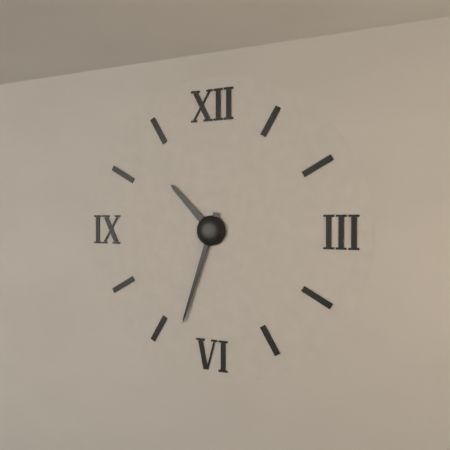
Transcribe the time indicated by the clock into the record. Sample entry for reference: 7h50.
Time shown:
10h33
